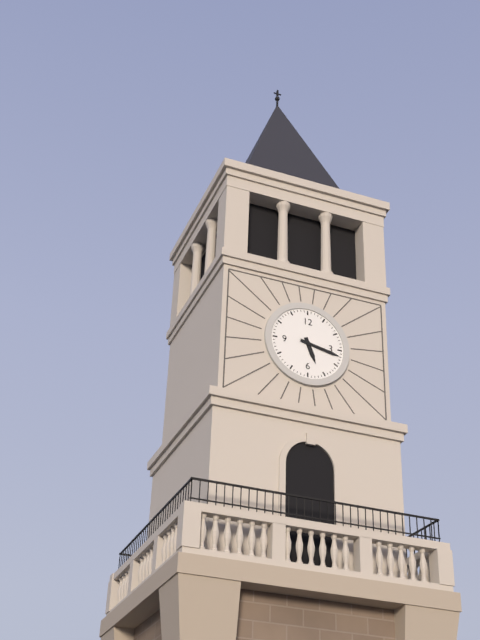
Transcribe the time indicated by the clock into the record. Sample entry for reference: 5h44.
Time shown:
5h17
